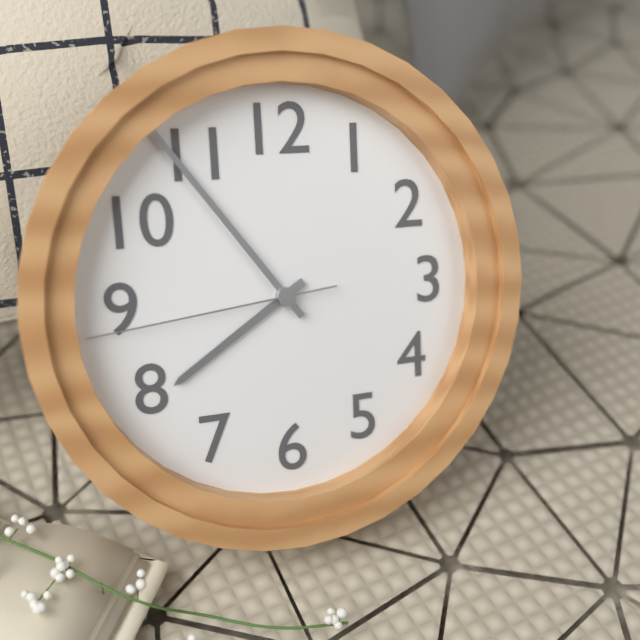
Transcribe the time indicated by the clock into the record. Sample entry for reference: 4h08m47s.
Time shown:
7h54m44s
